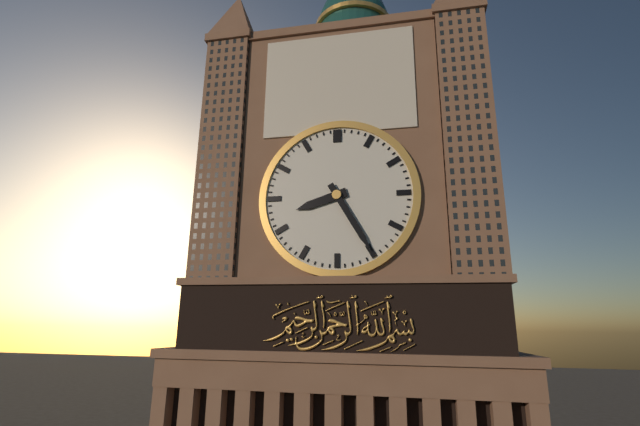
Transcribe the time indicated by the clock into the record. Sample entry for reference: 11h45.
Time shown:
8h25
